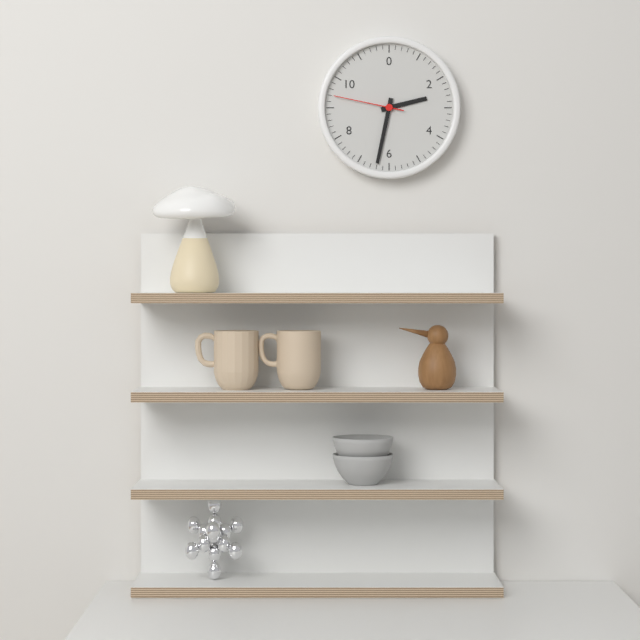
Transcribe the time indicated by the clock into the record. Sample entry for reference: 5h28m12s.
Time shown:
2h32m47s
